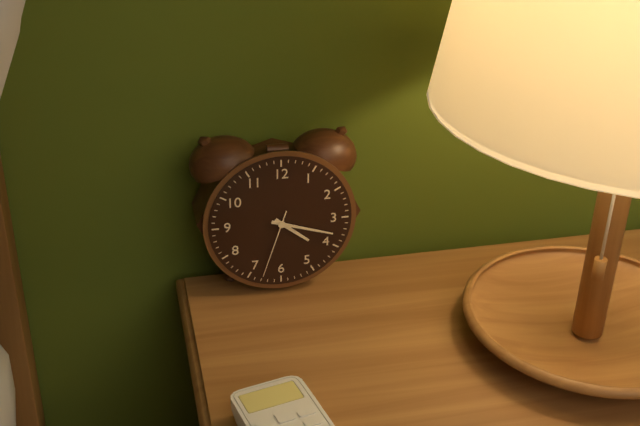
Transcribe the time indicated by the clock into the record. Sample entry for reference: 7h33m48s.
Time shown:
4h18m33s
